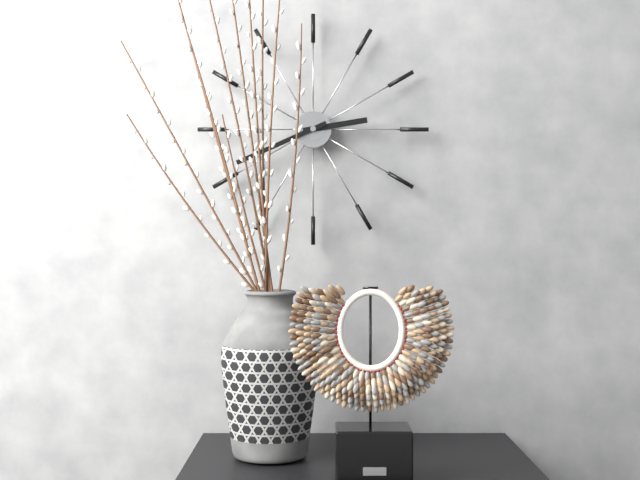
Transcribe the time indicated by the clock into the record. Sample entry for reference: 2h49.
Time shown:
2h41
